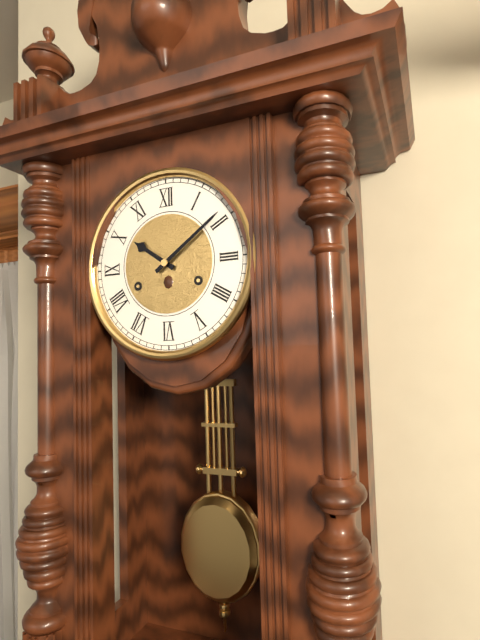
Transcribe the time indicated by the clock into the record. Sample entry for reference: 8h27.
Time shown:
10h09
